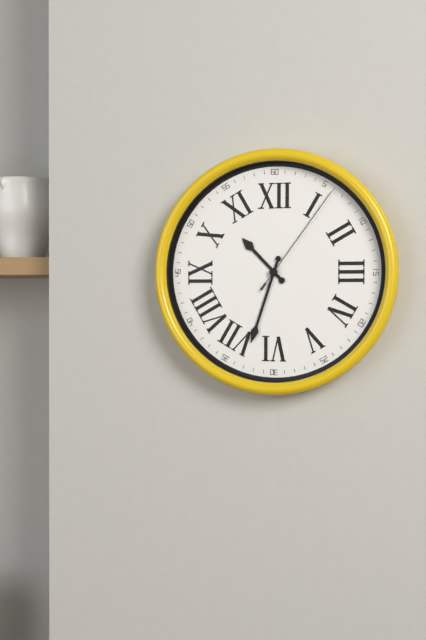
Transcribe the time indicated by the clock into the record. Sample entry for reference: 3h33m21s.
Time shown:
10h33m06s
